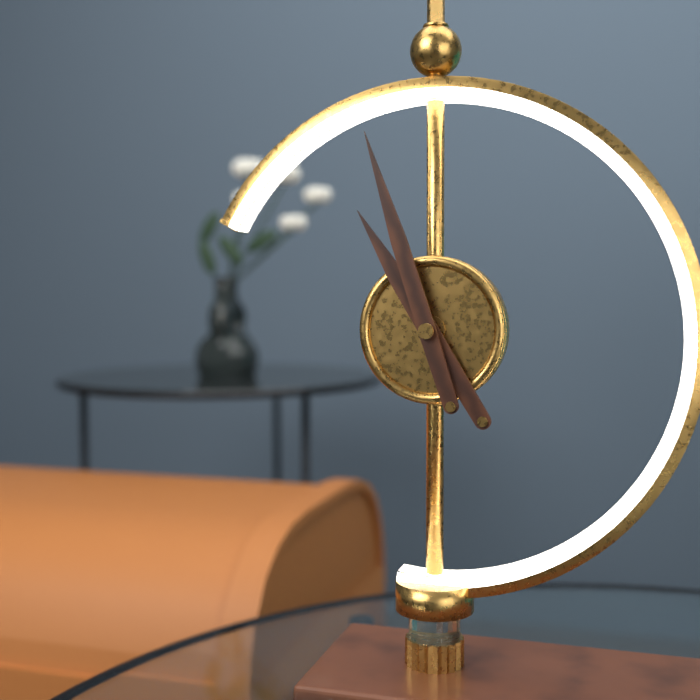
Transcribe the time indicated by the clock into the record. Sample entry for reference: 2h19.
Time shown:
10h57
